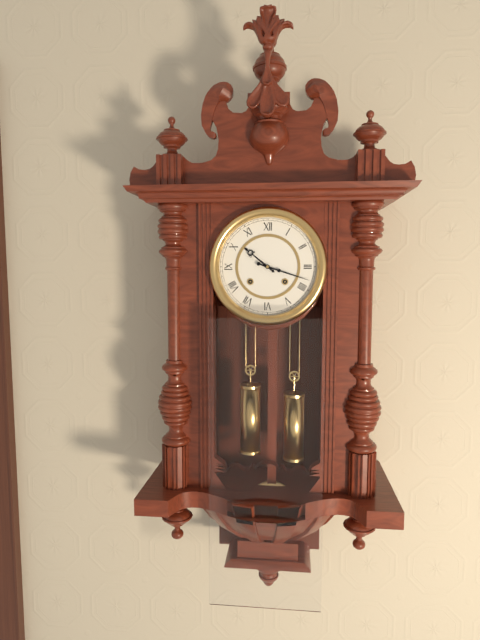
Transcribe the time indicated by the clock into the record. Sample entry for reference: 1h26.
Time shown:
10h18
